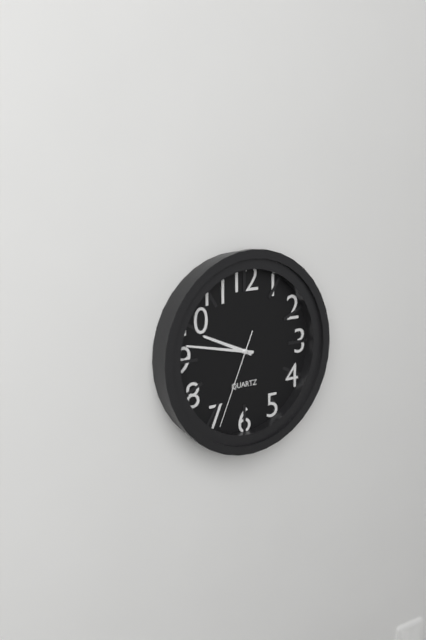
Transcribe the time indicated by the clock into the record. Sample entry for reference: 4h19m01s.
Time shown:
9h47m34s
